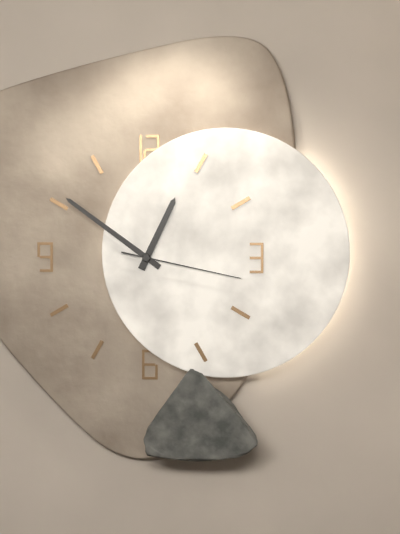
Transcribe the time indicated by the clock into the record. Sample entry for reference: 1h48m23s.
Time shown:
12h51m17s
